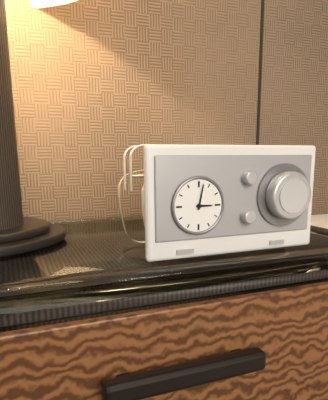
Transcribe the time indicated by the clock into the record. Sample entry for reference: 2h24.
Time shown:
3h02
